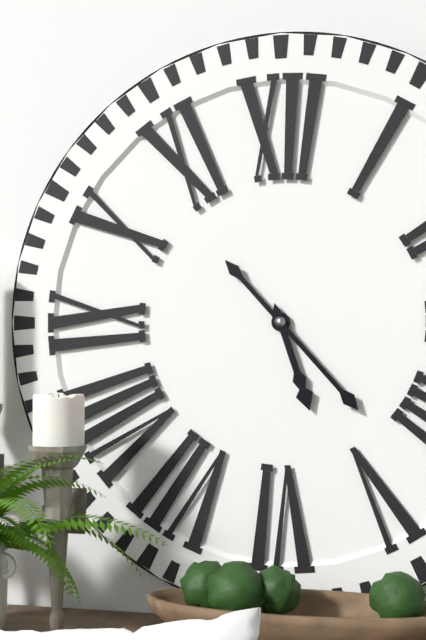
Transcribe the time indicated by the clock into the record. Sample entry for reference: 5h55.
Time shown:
5h23
